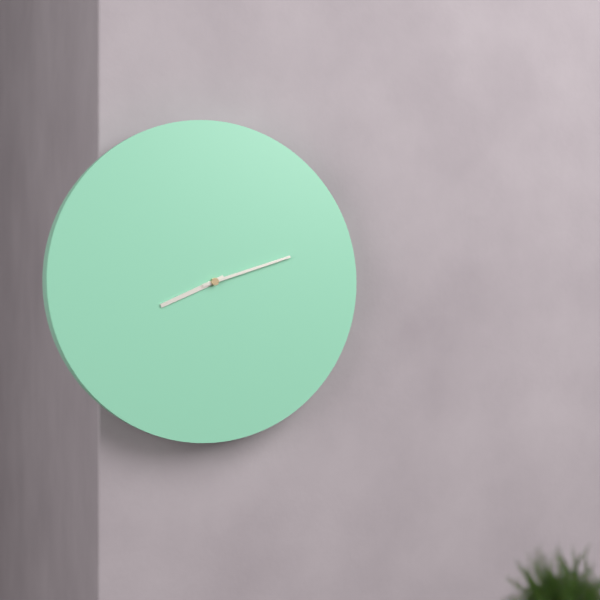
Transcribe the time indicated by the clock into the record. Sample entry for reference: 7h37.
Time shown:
8h12
